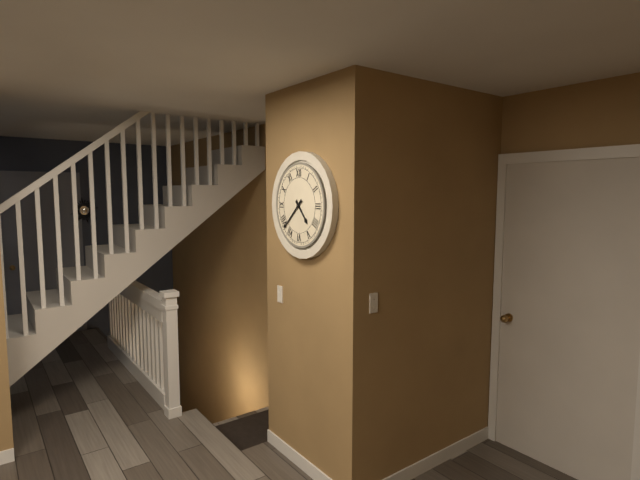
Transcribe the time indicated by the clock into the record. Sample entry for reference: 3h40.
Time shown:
4h38
